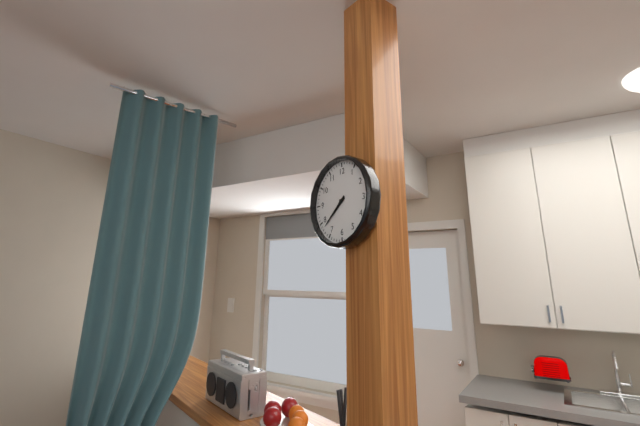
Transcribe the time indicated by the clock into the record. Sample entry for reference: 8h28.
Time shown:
7h38
